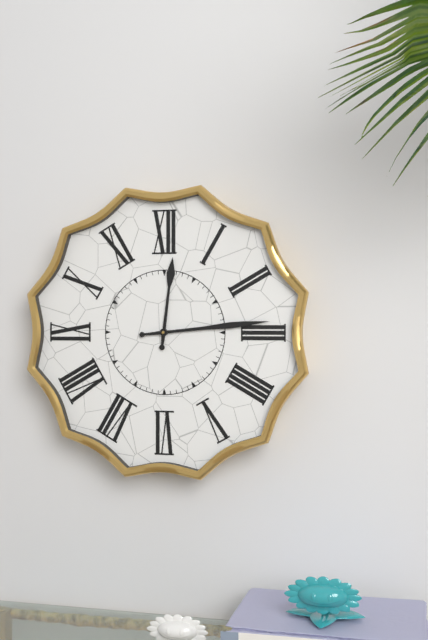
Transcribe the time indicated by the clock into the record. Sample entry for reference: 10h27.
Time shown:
12h14
